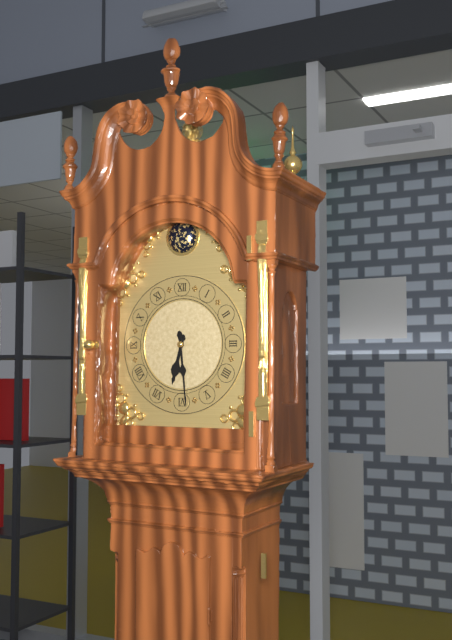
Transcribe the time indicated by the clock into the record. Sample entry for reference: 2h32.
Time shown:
6h29
